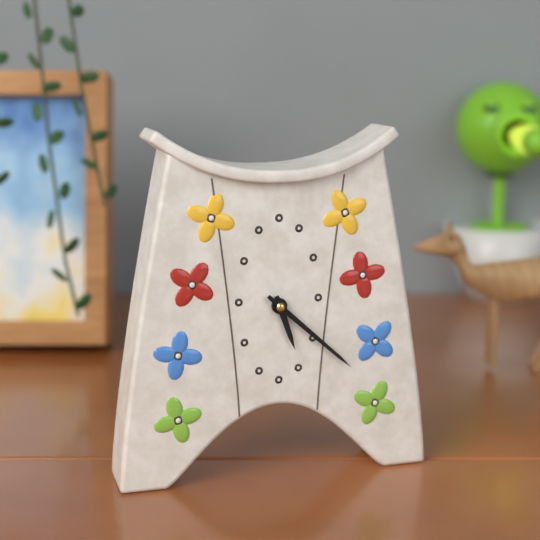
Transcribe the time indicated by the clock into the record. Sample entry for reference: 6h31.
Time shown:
5h22
